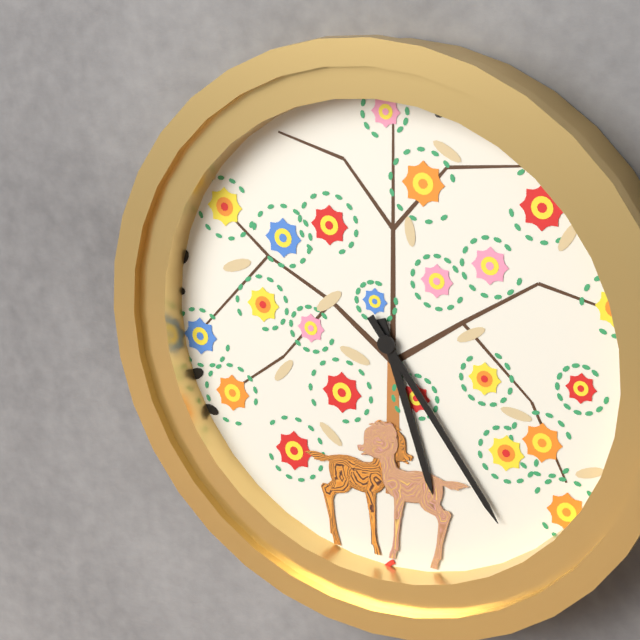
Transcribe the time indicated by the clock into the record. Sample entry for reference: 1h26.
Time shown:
5h24
